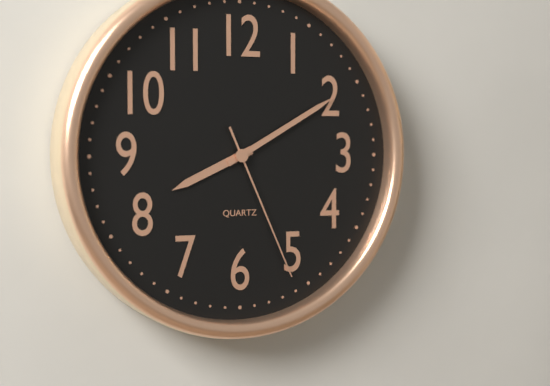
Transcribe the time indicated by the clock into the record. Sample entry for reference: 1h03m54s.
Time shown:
8h10m26s
